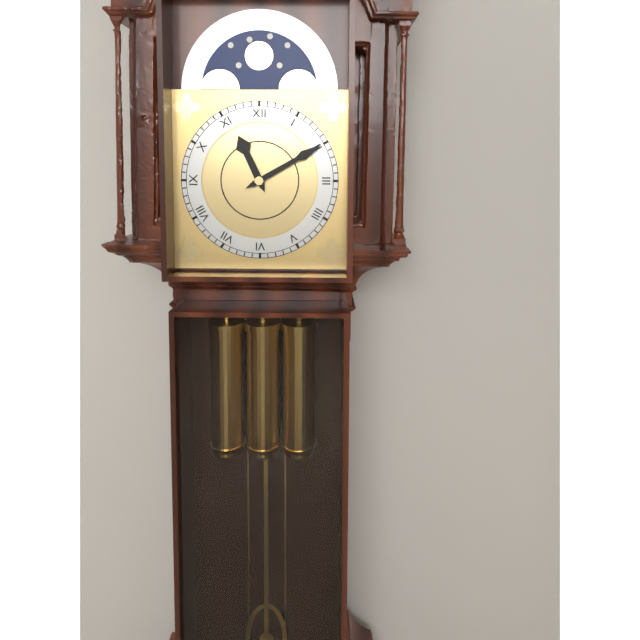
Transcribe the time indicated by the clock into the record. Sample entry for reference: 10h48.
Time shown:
11h10
